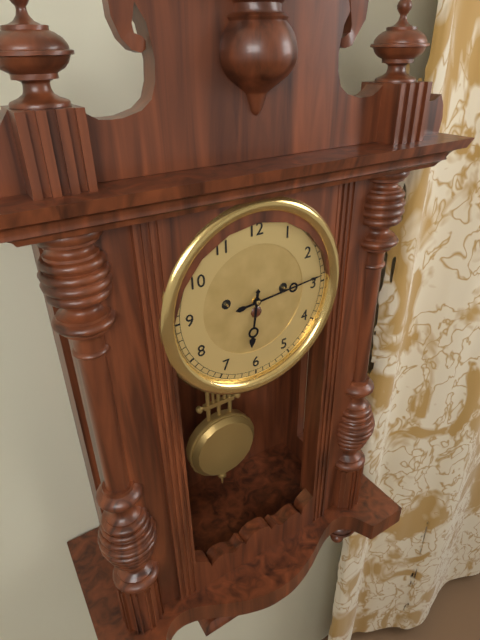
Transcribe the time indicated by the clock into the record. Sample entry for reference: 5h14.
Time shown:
6h14
